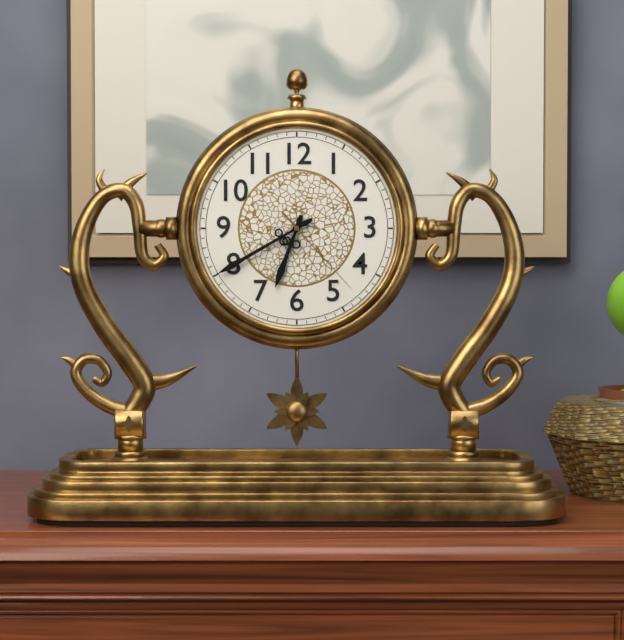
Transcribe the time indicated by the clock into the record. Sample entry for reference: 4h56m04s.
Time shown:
6h40m23s
